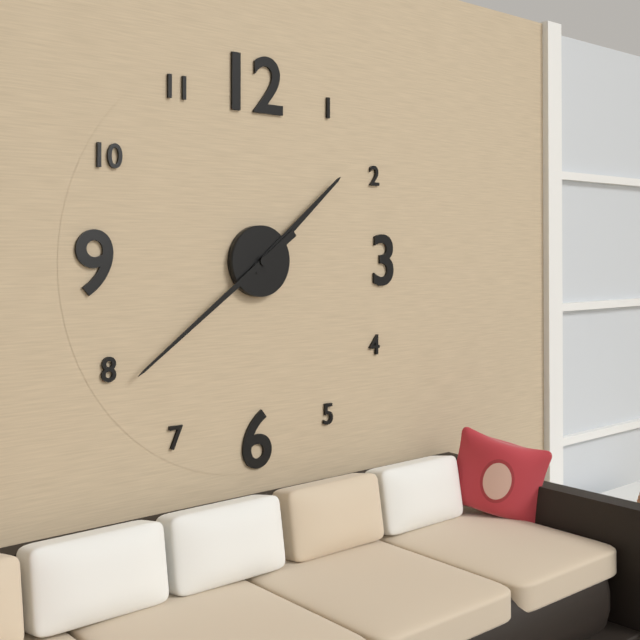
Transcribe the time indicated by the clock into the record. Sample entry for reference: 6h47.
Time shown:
1h39
